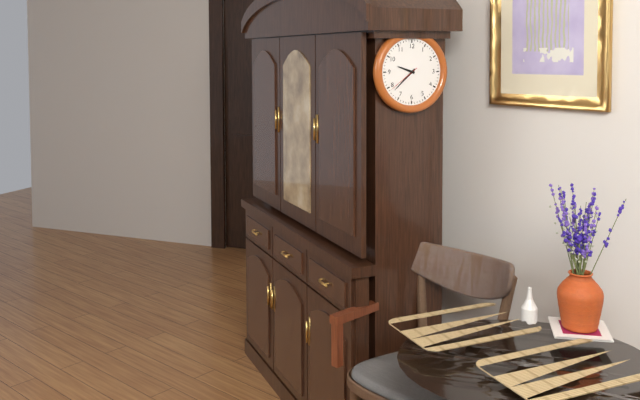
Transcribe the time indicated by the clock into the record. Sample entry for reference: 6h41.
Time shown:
9h38
